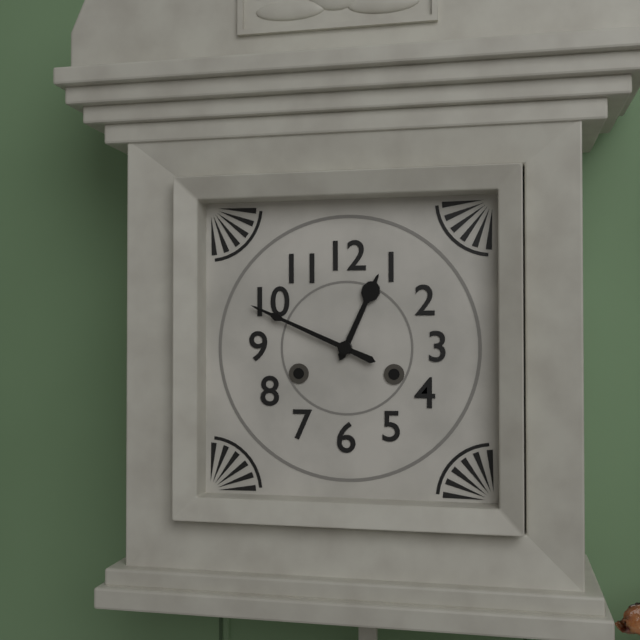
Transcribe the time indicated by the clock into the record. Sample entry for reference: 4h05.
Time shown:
12h49
